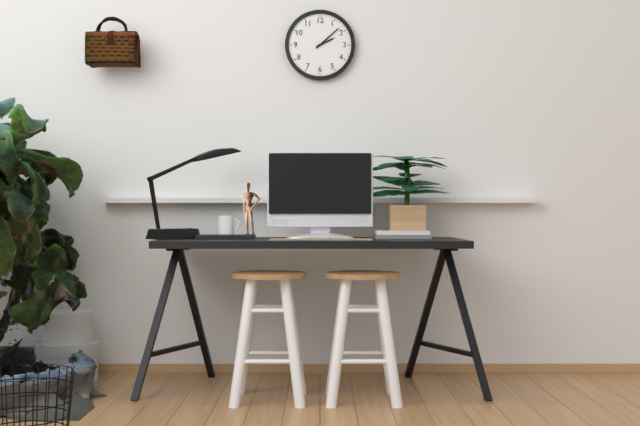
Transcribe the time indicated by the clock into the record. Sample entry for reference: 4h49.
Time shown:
2h08
